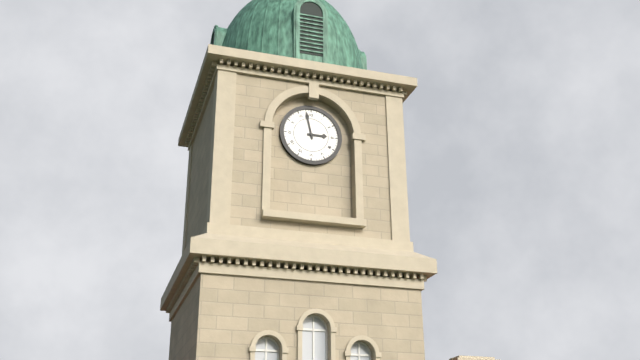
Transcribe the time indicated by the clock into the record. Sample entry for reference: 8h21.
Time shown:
2h58
